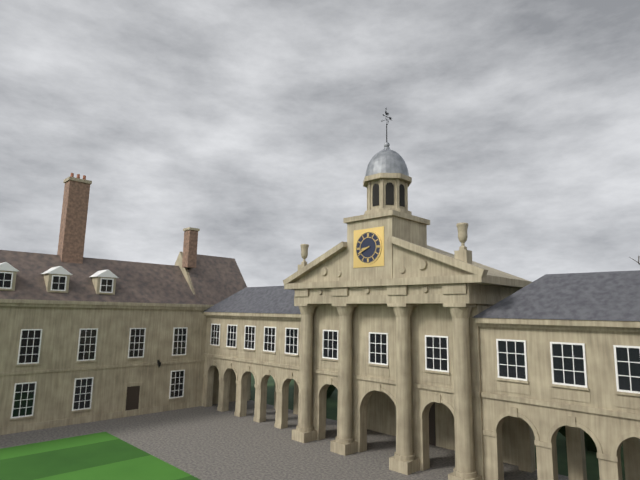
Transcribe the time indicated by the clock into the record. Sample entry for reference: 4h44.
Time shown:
8h41
